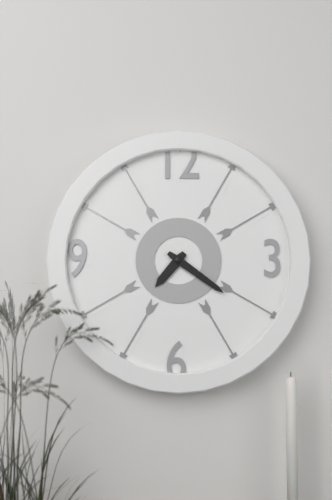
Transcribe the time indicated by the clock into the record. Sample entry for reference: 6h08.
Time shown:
7h21
